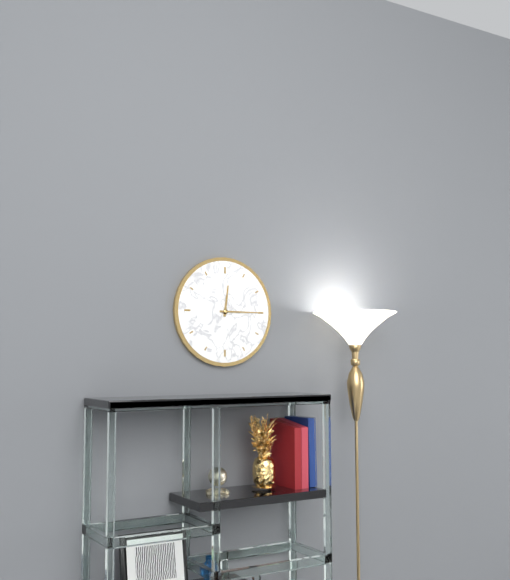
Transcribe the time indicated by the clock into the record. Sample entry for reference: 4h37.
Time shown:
12h15
